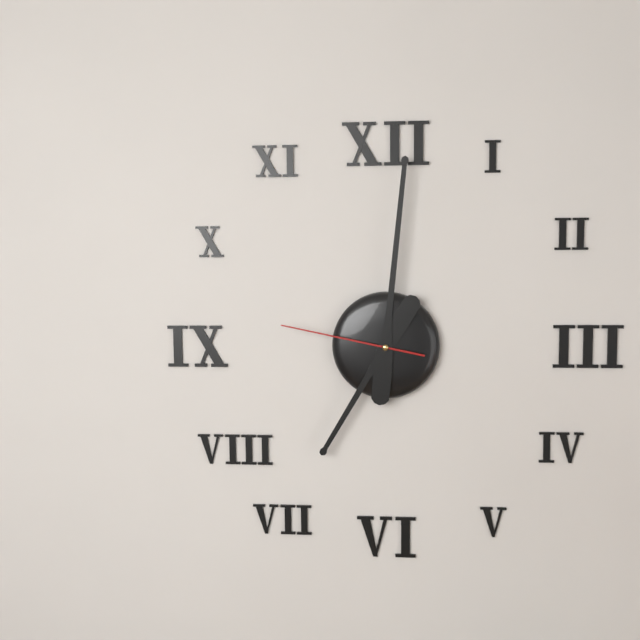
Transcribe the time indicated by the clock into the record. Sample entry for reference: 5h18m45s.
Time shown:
7h01m47s
